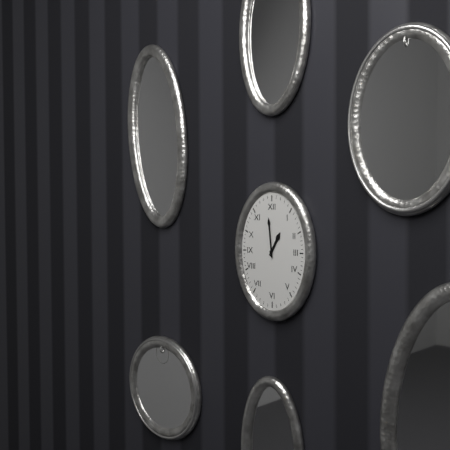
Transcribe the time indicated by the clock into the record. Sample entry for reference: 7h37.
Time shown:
12h59
